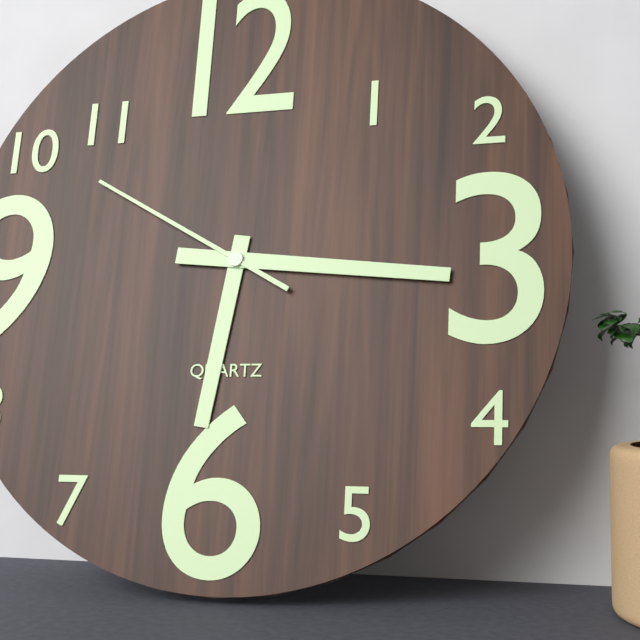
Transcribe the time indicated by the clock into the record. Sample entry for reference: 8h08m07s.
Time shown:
6h16m50s
